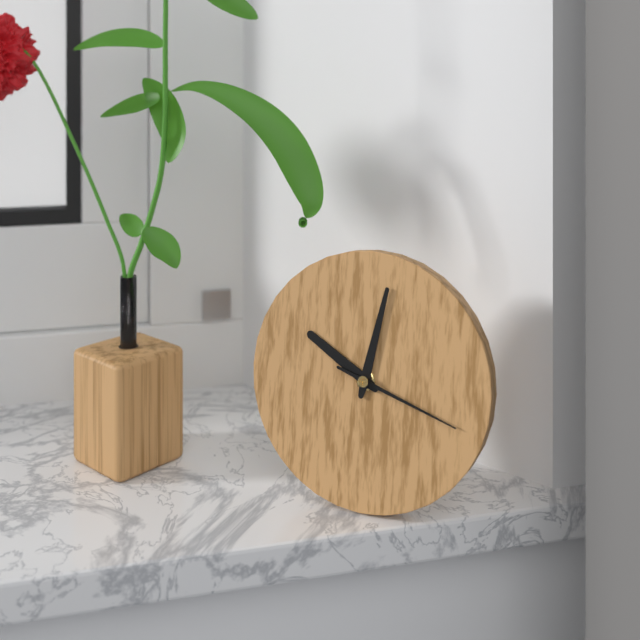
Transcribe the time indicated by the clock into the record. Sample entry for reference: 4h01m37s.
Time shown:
10h02m18s
